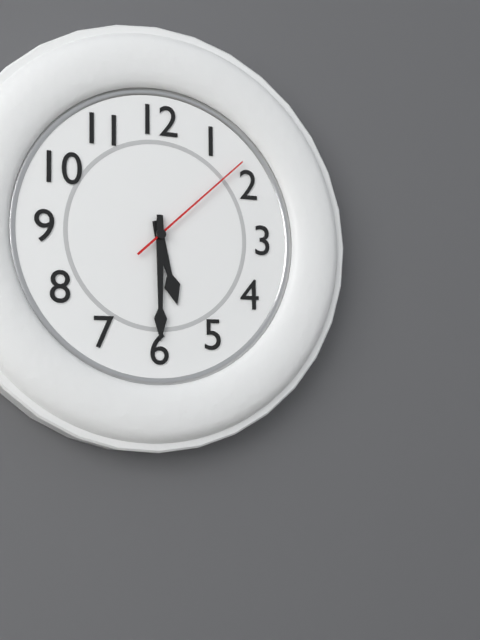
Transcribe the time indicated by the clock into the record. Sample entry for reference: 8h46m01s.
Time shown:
5h30m08s
